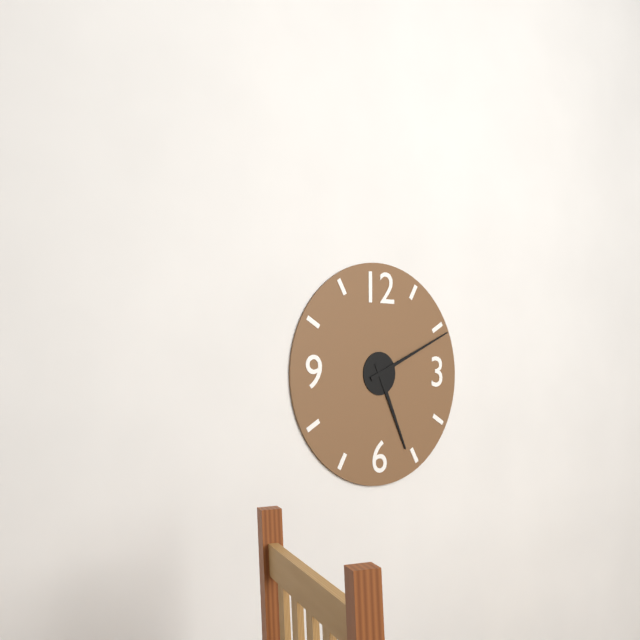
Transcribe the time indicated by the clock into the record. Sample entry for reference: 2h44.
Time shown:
5h11
